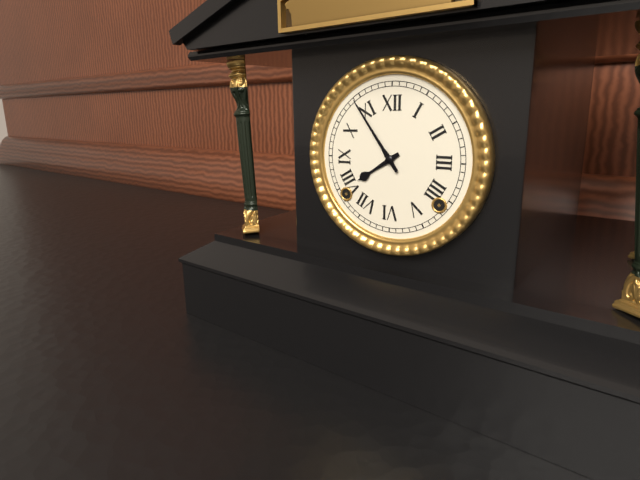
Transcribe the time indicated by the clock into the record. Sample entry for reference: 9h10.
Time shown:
7h54
